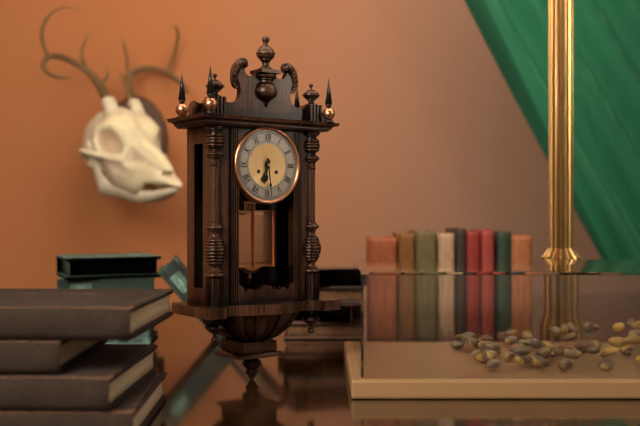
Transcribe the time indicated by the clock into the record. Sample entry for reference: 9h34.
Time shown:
6h29
